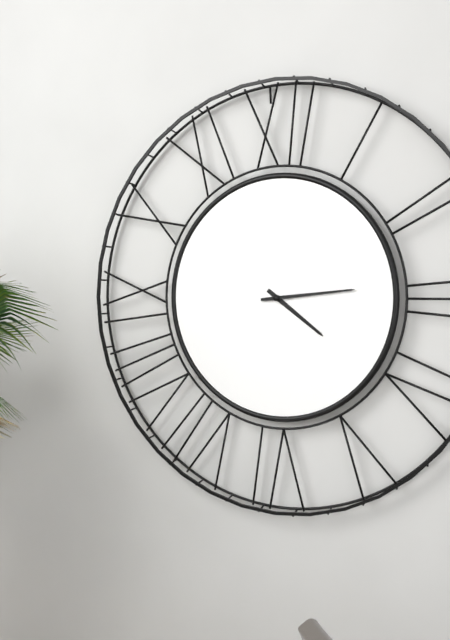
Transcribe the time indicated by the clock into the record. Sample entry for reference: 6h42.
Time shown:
4h14
